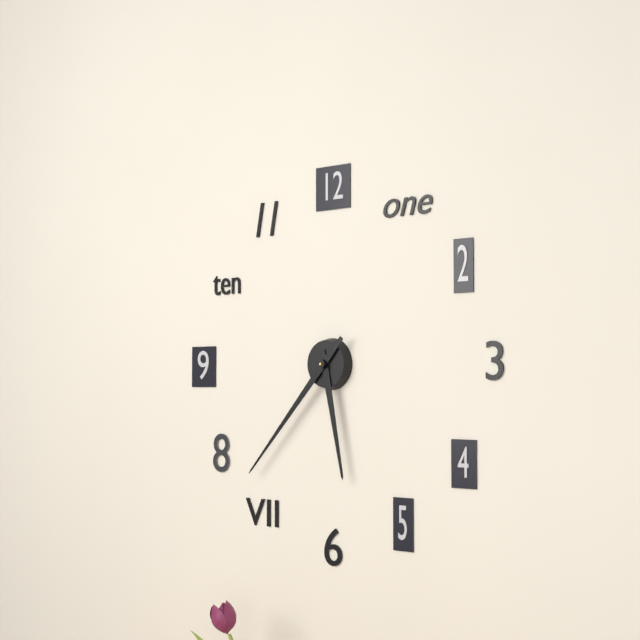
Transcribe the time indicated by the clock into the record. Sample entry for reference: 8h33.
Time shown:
5h37
